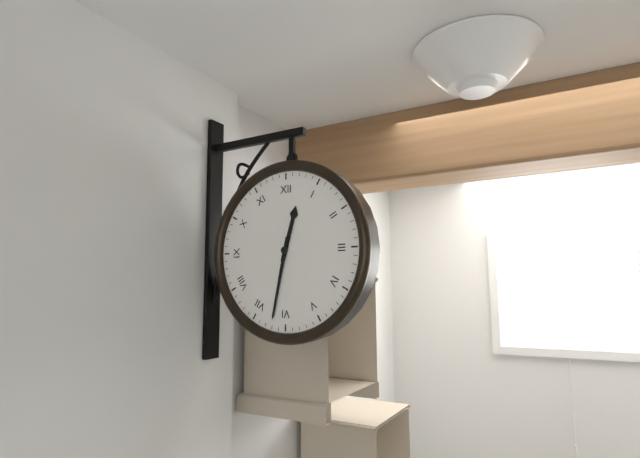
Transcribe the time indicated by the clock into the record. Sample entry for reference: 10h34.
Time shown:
12h32
